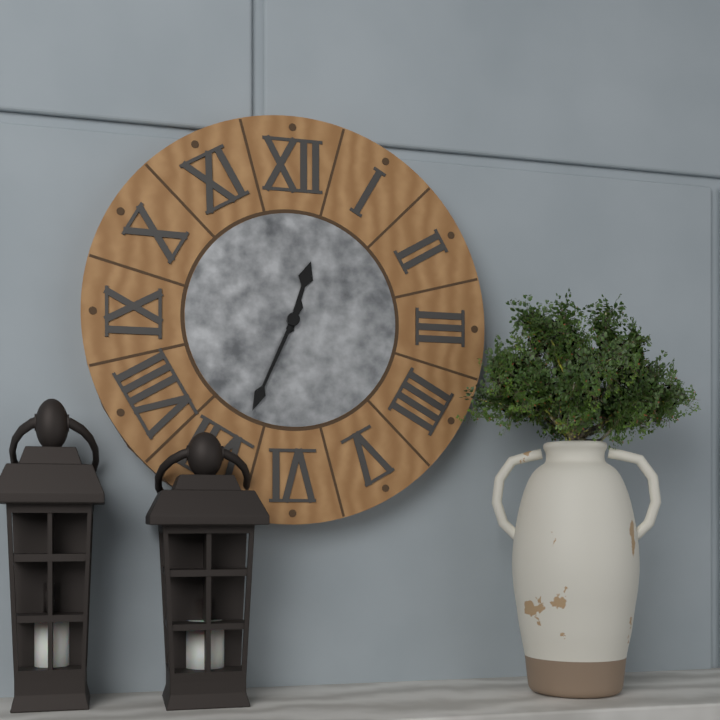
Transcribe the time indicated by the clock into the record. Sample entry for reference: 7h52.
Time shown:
12h34
